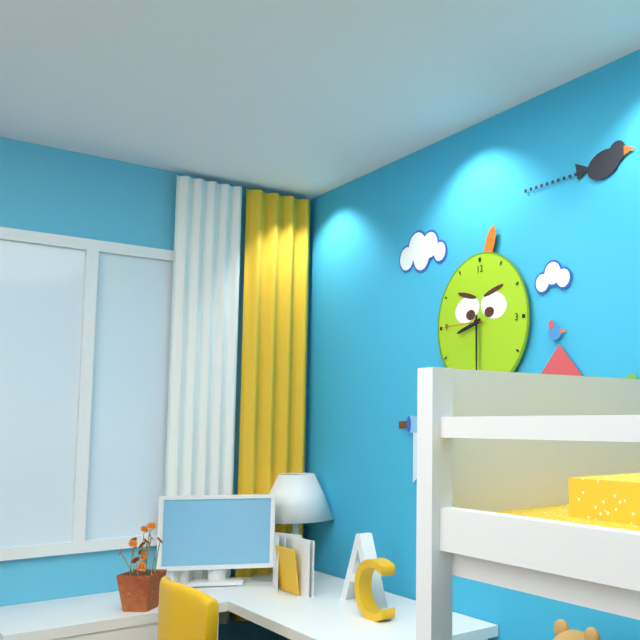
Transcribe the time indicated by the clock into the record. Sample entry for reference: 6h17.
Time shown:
8h30
